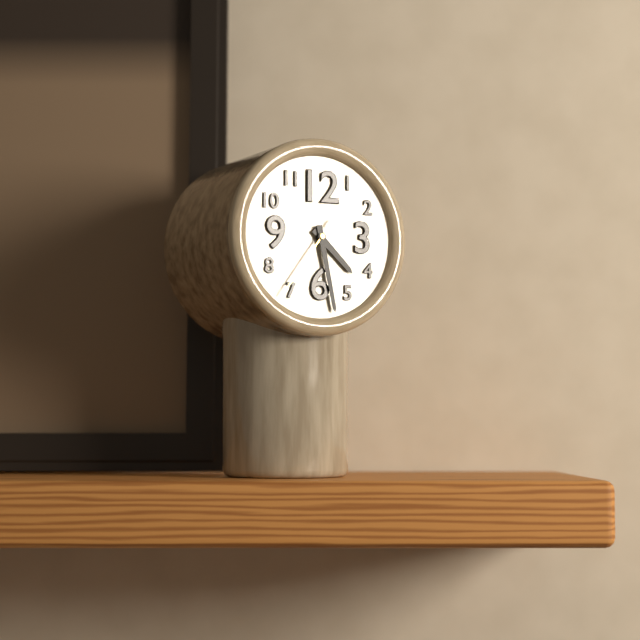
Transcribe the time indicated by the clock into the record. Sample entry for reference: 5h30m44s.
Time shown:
4h28m36s
